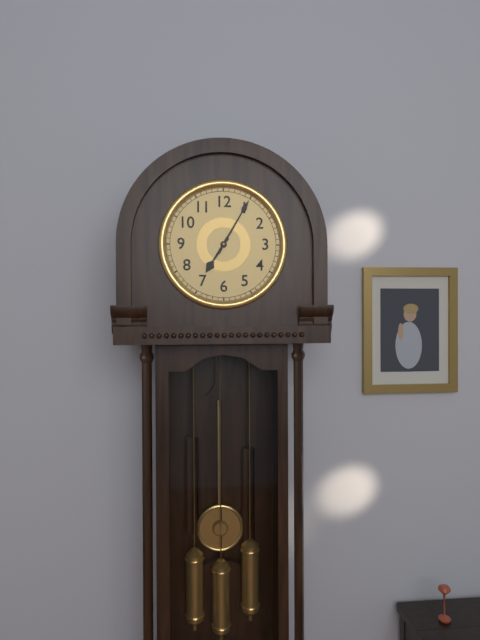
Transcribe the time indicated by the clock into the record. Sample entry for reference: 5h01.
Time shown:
7h05
